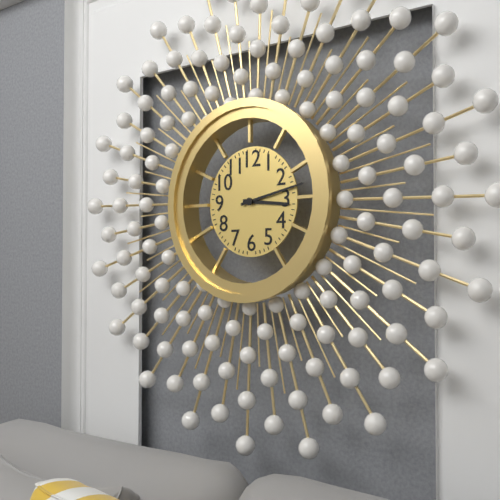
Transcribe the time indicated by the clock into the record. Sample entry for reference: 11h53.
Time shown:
3h13
